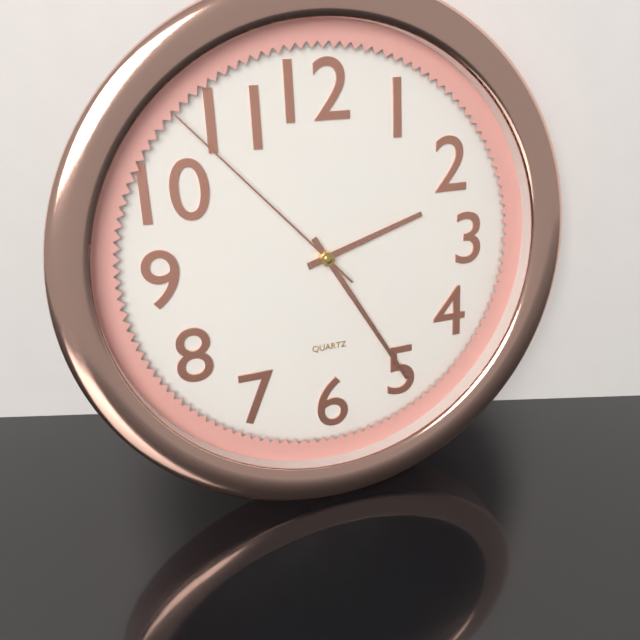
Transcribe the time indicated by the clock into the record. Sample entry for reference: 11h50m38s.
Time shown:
2h25m53s
